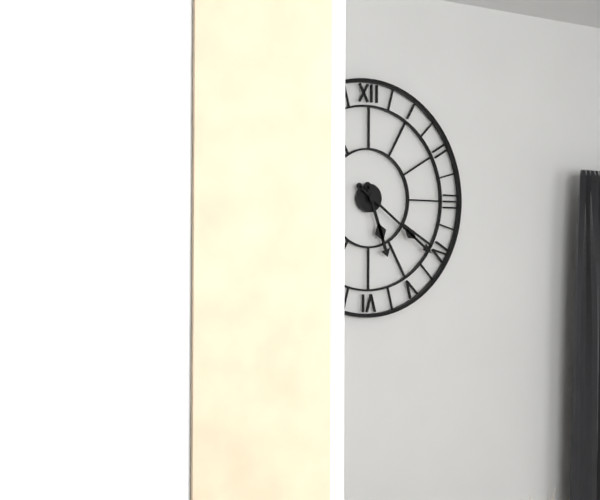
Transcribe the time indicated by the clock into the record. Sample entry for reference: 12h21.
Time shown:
5h21
